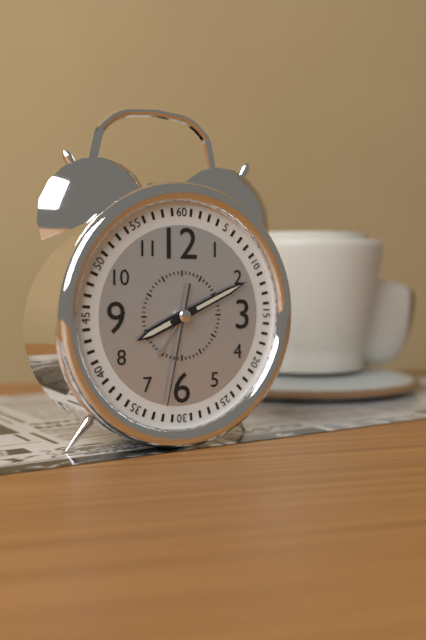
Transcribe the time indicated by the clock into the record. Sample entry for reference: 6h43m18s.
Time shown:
8h11m32s
